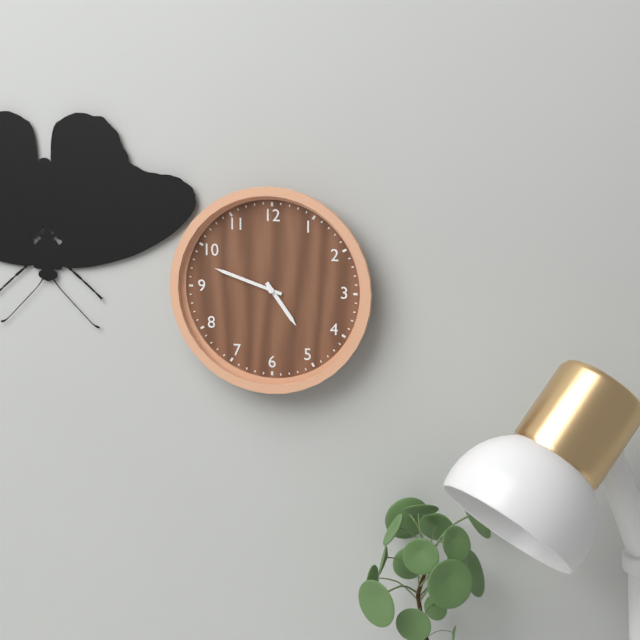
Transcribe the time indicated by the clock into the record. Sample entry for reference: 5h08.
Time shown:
4h48
